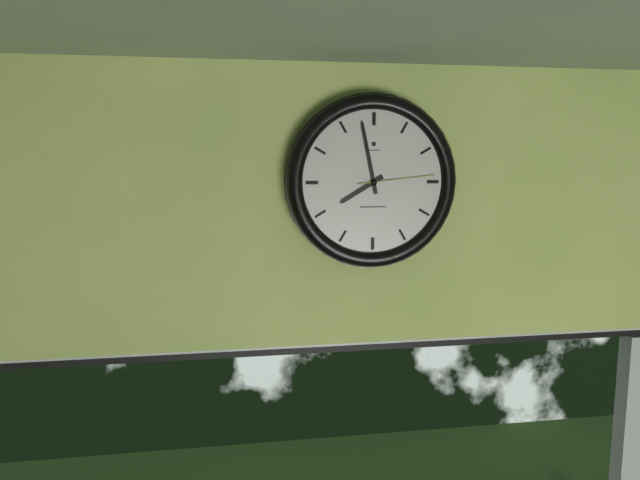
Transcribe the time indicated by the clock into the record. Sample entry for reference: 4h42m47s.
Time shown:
7h58m14s
